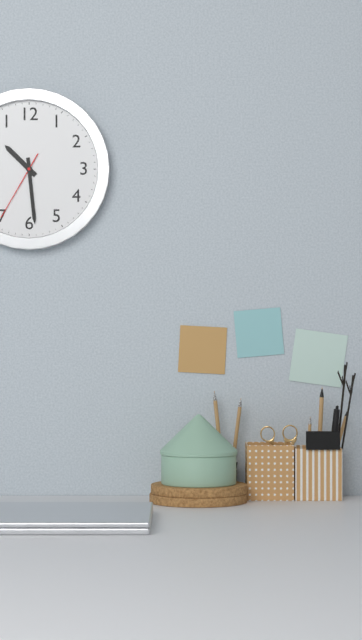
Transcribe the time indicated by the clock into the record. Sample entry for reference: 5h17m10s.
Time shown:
10h29m35s
